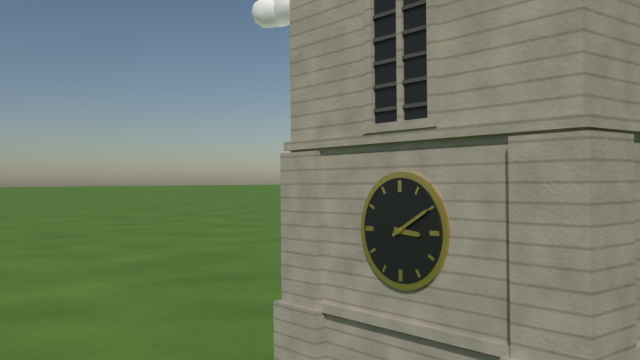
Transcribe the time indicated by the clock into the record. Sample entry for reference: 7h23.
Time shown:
3h10
